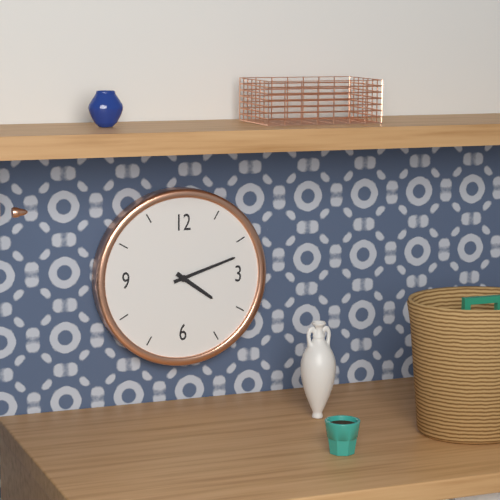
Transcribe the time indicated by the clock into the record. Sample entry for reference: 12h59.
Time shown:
4h12
